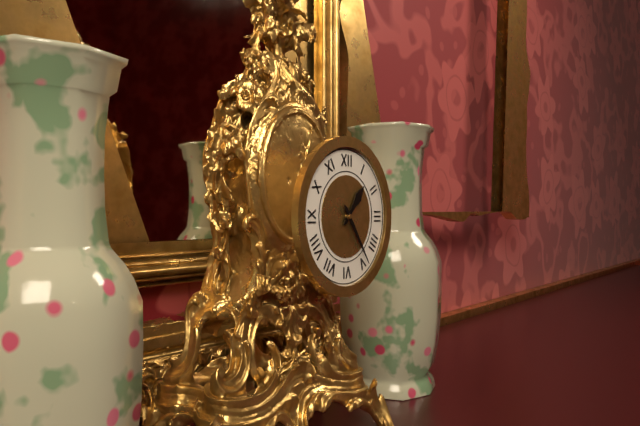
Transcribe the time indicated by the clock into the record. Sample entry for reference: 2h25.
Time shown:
1h24
